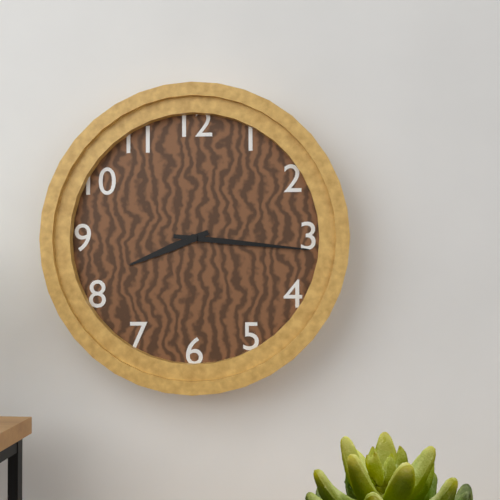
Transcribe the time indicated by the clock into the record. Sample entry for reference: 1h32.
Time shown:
8h16
